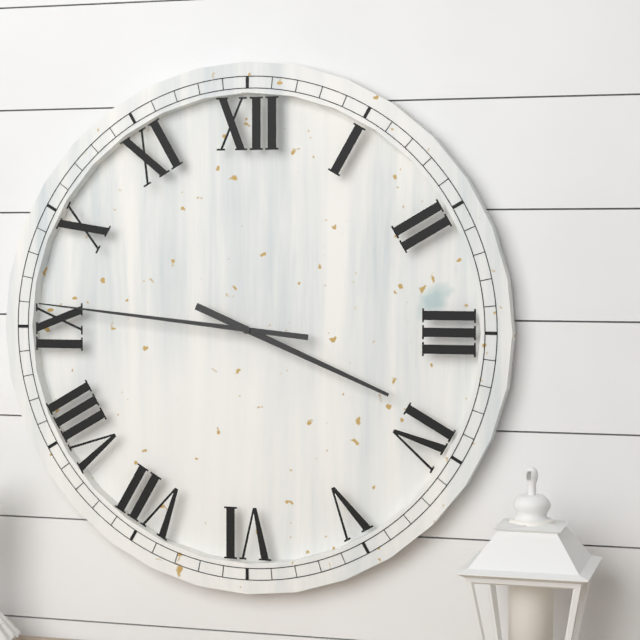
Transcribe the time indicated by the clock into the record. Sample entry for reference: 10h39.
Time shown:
3h46
